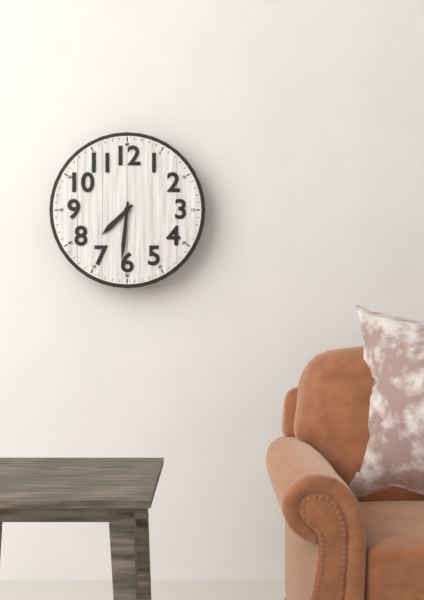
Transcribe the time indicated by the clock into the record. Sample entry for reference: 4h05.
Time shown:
7h31
